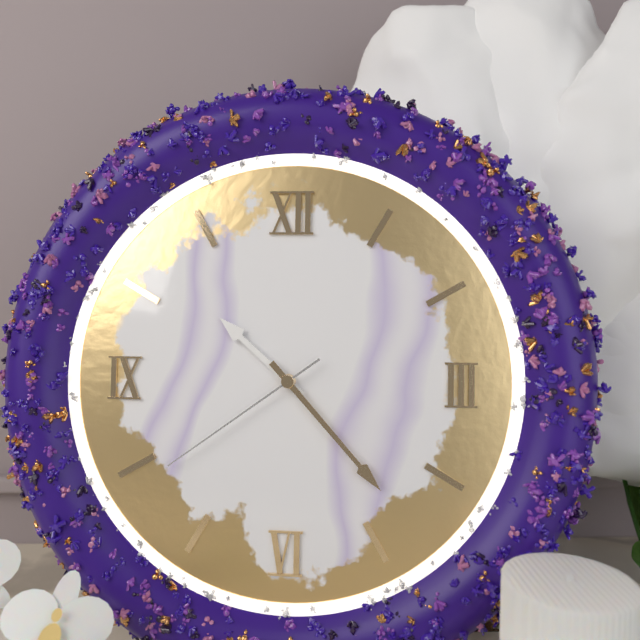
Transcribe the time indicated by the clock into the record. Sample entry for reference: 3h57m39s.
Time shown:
10h23m39s
